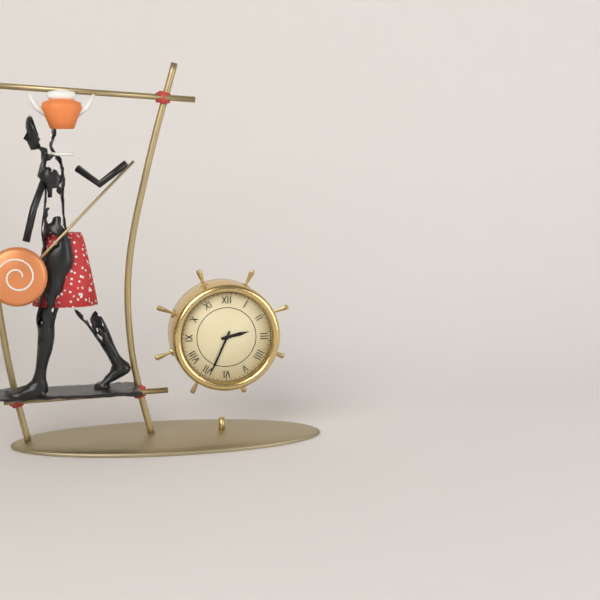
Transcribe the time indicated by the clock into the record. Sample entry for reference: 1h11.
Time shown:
2h34
